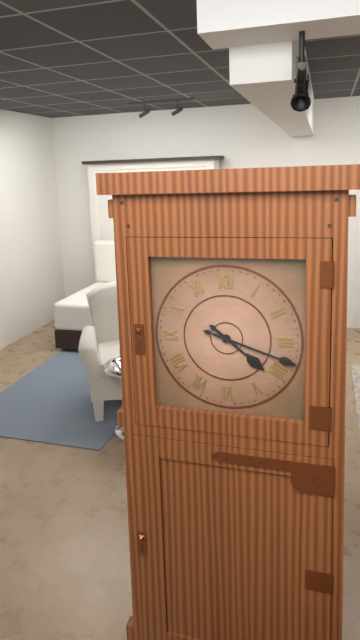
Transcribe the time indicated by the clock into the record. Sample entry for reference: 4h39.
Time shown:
4h18
